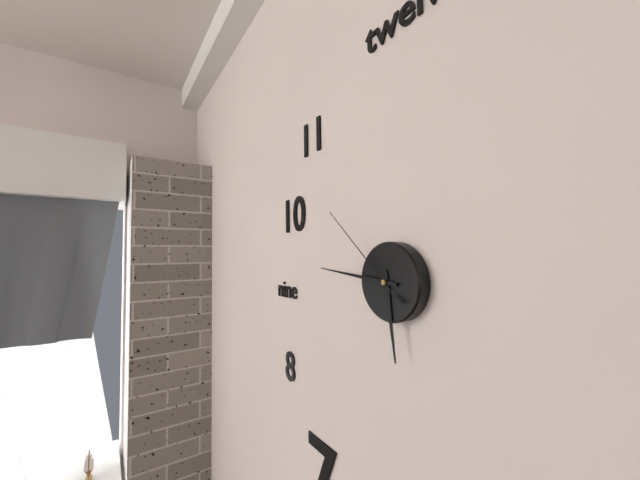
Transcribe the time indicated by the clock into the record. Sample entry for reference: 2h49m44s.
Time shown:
5h46m52s
